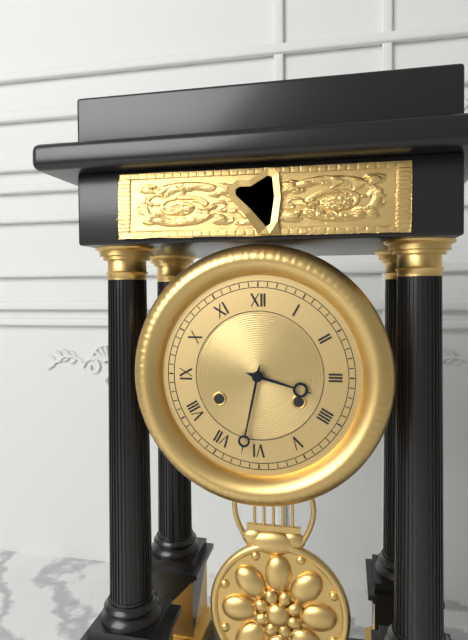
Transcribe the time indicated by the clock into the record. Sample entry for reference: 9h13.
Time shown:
3h32
